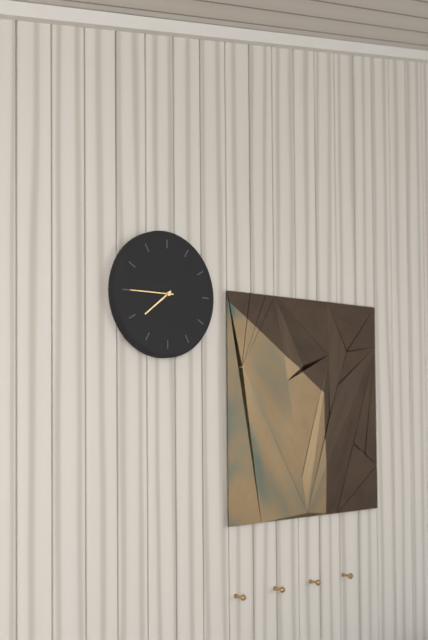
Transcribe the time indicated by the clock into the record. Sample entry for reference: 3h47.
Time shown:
7h45
